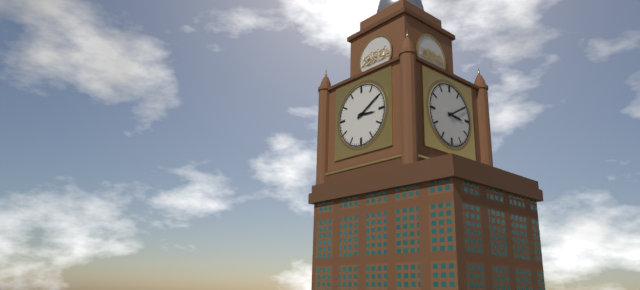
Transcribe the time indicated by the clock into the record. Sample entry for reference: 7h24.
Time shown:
3h10
